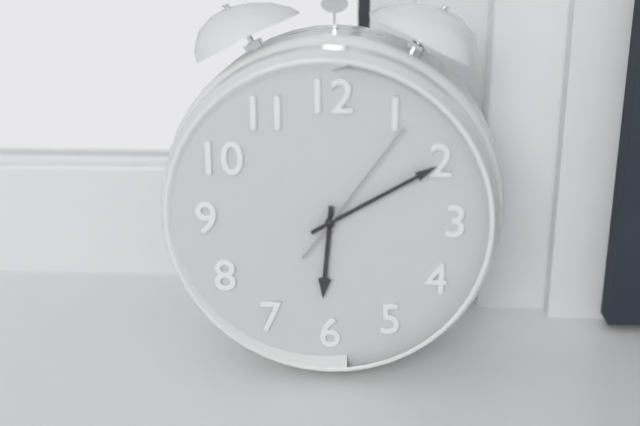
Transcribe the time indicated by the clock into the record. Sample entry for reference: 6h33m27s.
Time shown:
6h10m06s
